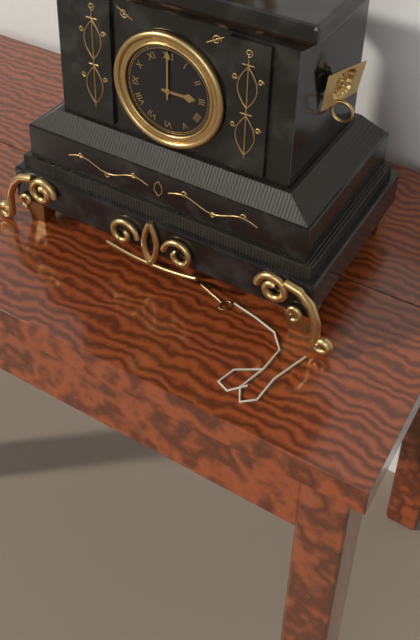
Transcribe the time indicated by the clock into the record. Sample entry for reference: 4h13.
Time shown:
3h00
